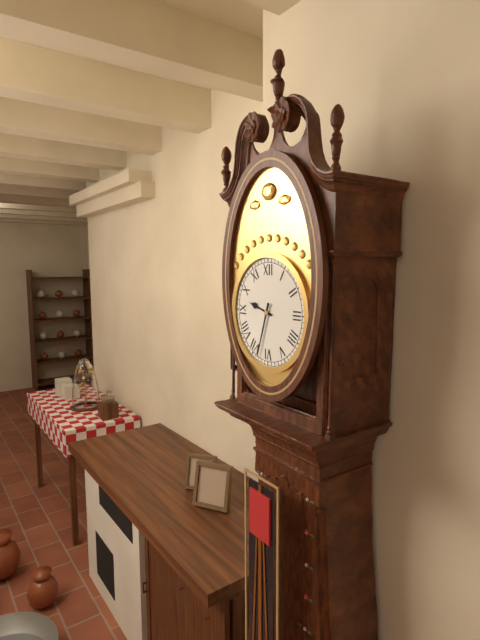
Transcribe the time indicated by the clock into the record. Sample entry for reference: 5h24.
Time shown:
9h33
